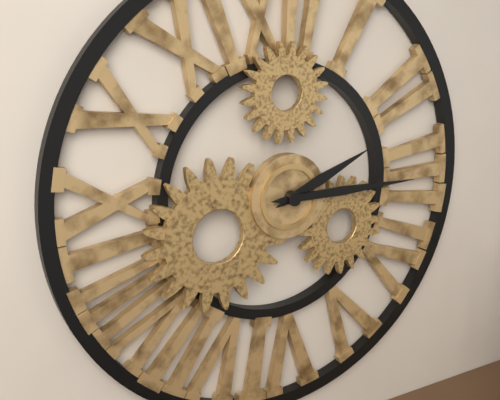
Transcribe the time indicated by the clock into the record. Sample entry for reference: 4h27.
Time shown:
2h15
